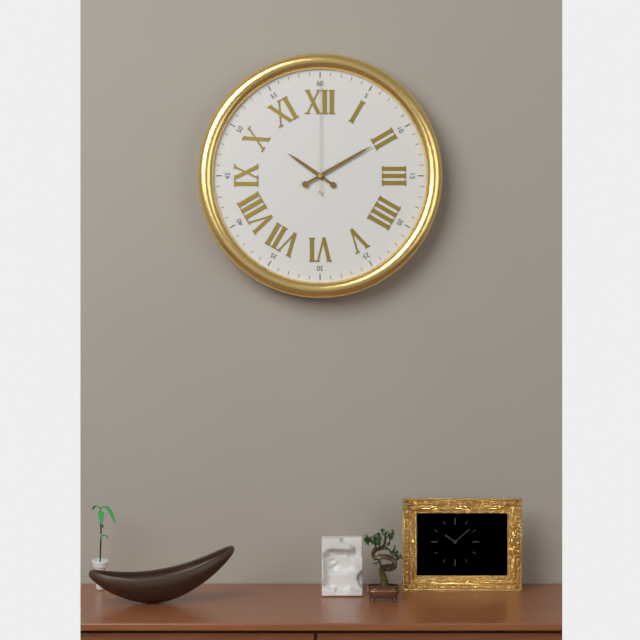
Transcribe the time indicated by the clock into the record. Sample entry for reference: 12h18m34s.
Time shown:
10h10m00s
